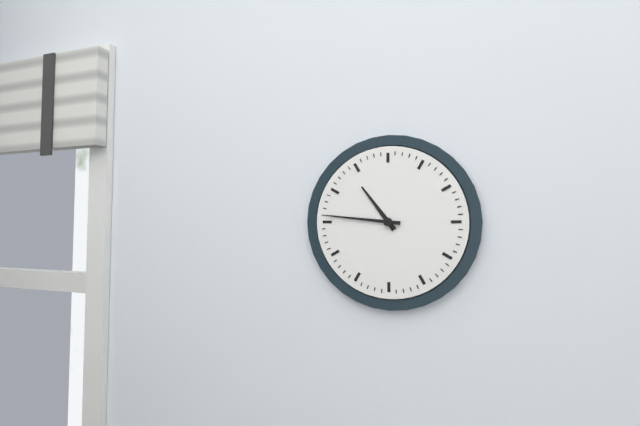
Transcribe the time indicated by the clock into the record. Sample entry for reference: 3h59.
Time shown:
10h46
